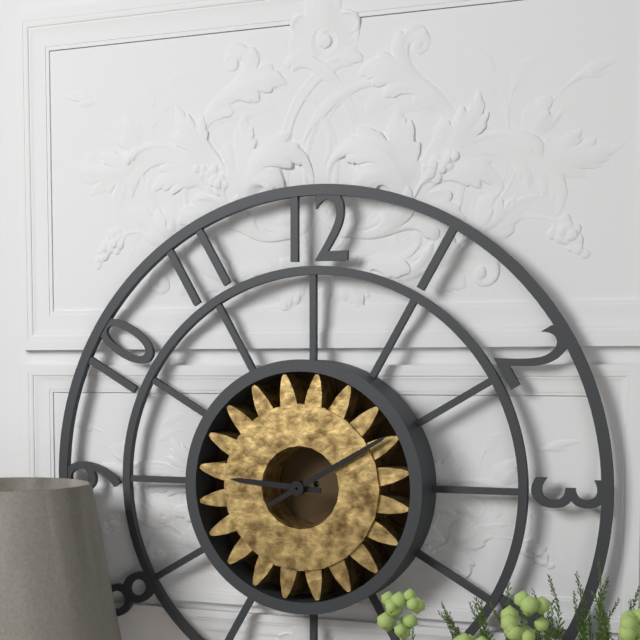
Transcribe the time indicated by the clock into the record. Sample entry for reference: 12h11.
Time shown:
9h10
